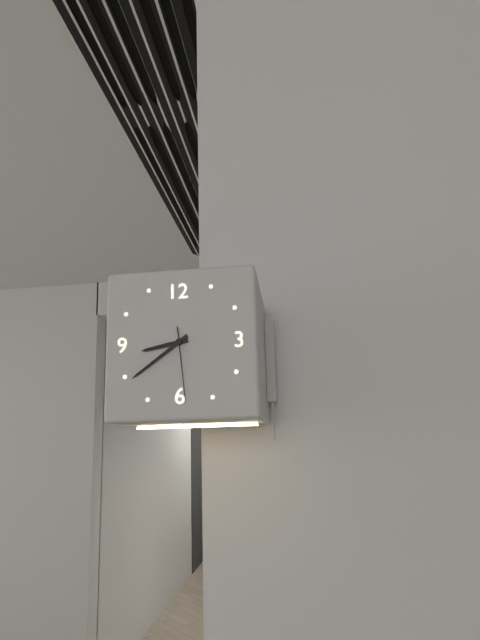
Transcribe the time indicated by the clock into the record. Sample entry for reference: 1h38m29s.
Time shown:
8h39m29s
